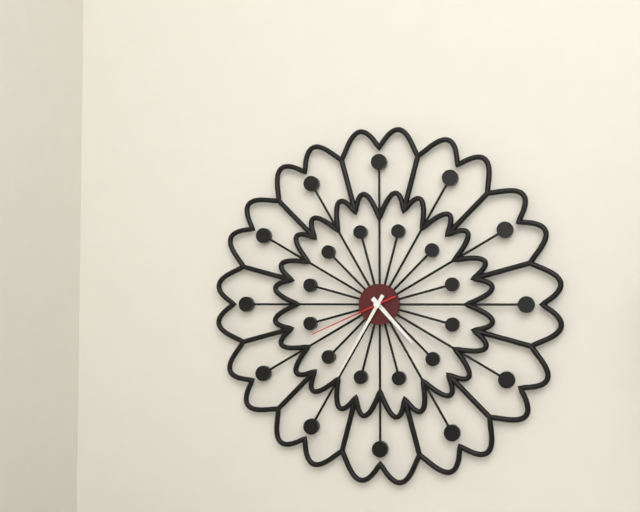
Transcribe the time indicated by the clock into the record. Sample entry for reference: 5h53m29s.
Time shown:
4h35m41s
